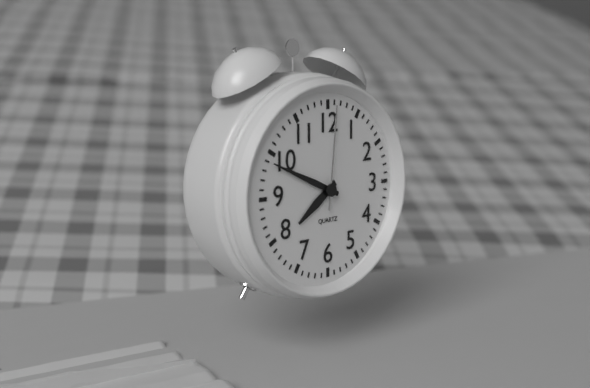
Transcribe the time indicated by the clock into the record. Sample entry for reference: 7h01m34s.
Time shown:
7h49m01s
